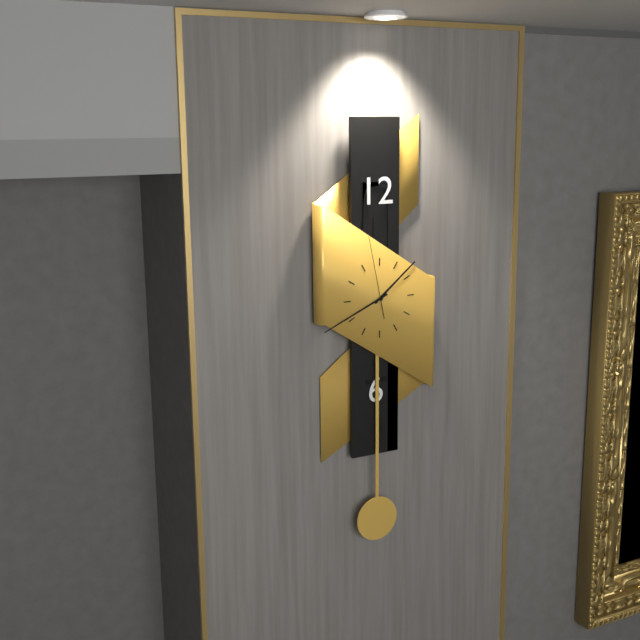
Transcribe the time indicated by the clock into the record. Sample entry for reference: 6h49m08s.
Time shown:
1h41m58s
